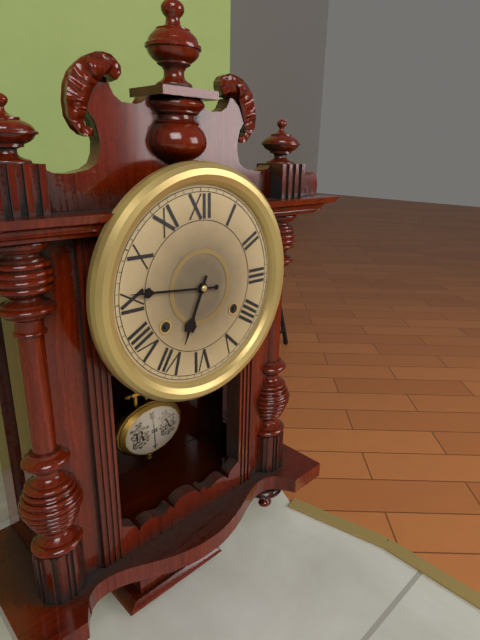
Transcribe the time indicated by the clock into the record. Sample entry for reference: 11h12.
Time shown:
6h46
